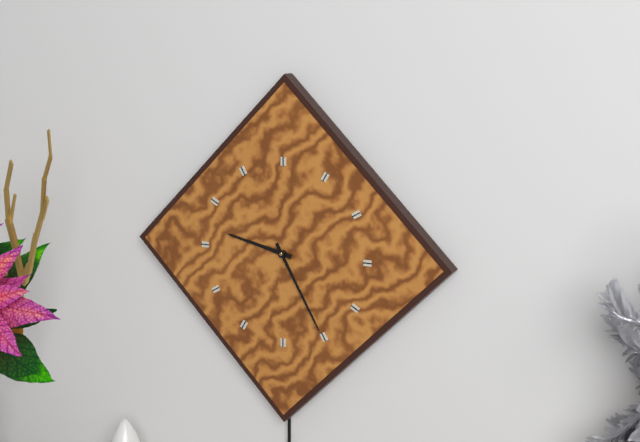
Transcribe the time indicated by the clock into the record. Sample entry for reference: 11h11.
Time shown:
9h25
